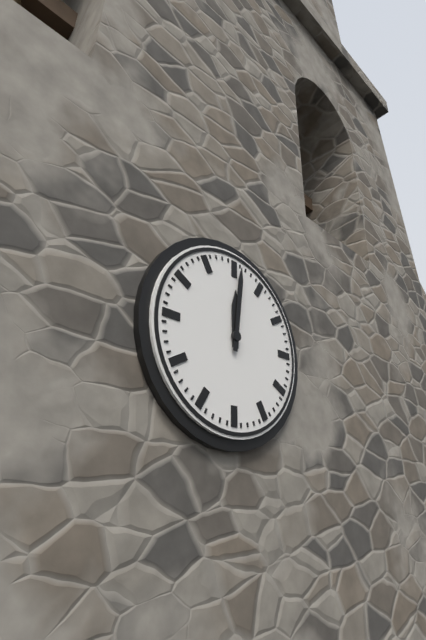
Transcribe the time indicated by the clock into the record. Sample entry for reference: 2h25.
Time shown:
12h01
